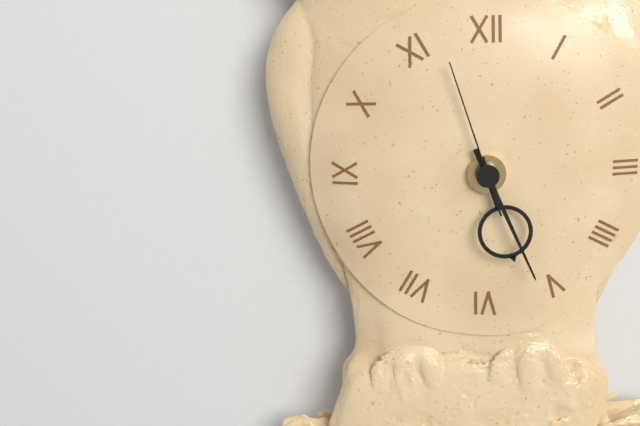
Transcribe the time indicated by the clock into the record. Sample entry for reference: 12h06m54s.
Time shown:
5h26m57s
